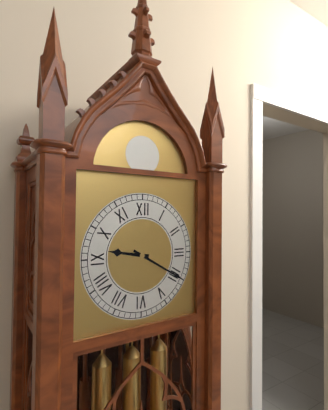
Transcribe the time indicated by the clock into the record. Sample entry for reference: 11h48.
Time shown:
9h20
